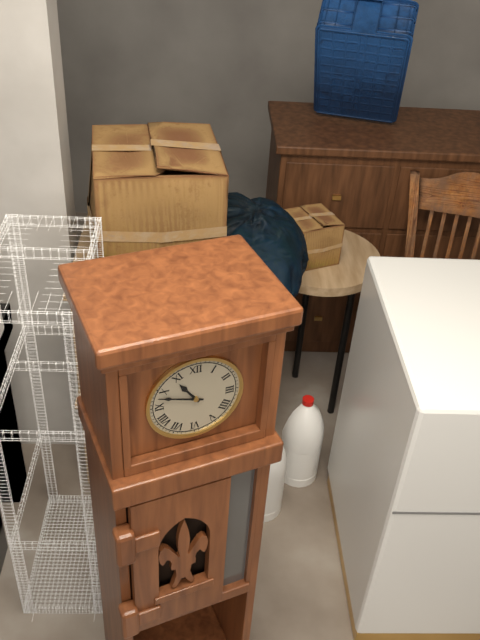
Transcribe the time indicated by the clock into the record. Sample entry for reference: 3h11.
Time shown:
10h48
